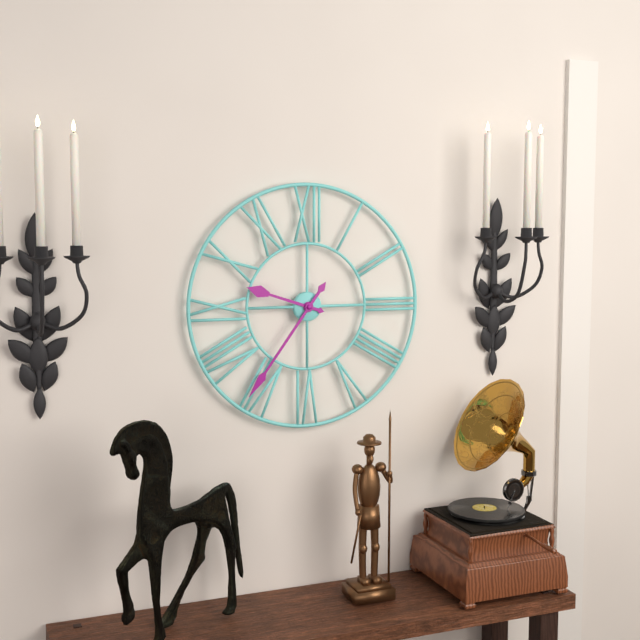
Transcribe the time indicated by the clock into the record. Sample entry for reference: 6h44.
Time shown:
9h36
